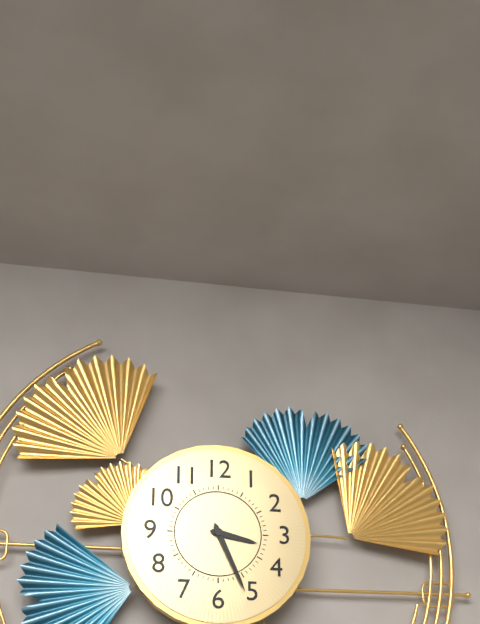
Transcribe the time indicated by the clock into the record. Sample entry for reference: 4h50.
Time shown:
3h26
